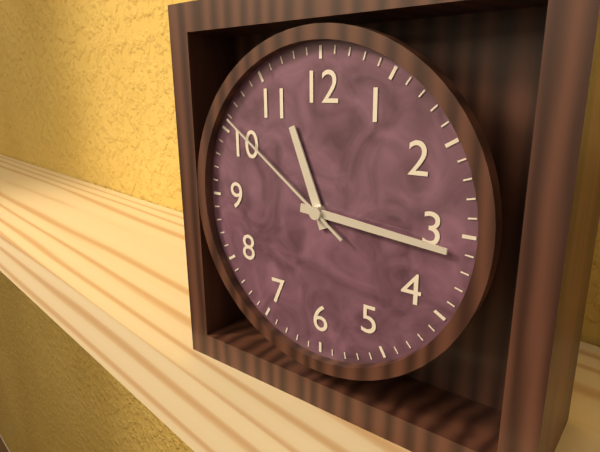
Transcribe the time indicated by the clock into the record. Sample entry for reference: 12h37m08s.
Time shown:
11h16m51s
